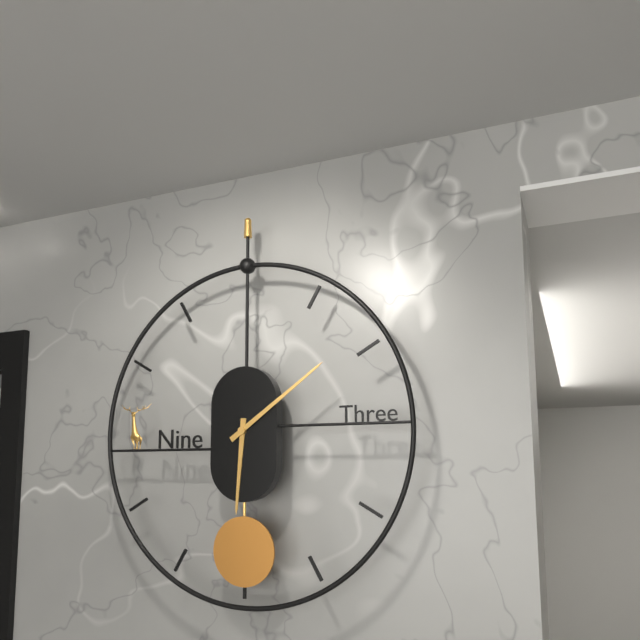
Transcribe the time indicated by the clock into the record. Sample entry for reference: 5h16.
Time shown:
6h09
